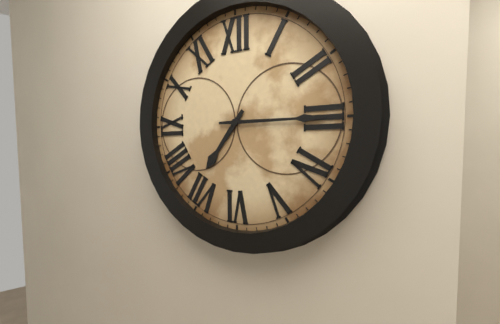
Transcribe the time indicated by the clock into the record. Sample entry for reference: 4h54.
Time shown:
7h15
